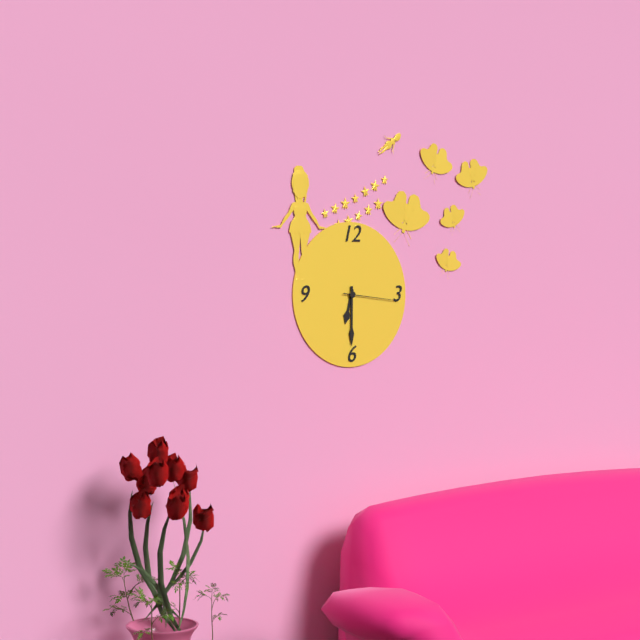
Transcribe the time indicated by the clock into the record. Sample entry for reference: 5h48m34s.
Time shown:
6h30m16s
